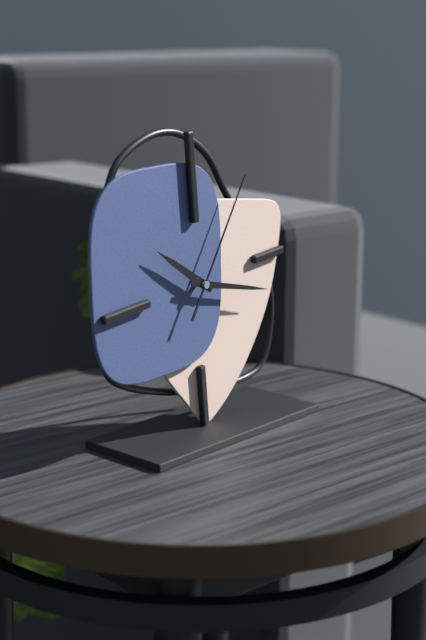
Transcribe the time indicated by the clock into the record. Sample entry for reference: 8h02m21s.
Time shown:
10h18m06s
